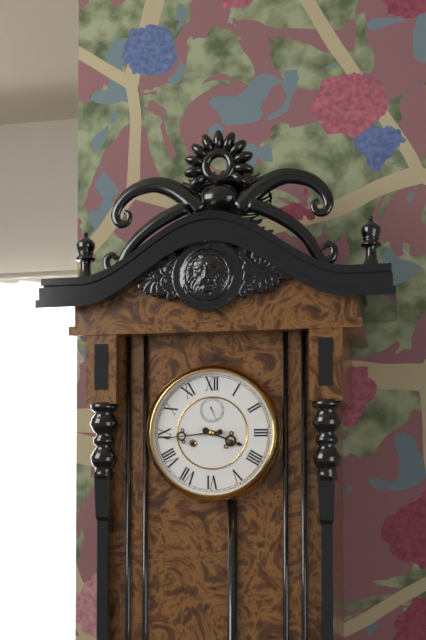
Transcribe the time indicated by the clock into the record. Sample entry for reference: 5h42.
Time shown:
3h44
